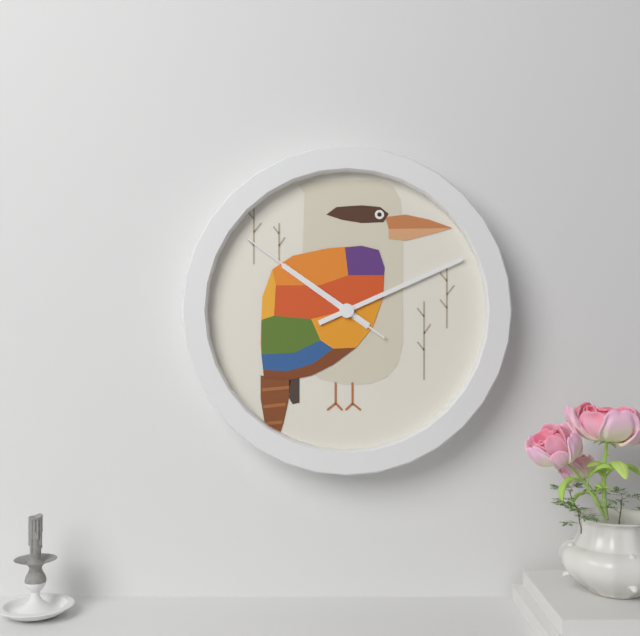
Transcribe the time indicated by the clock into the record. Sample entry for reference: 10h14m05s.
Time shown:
10h11m51s
